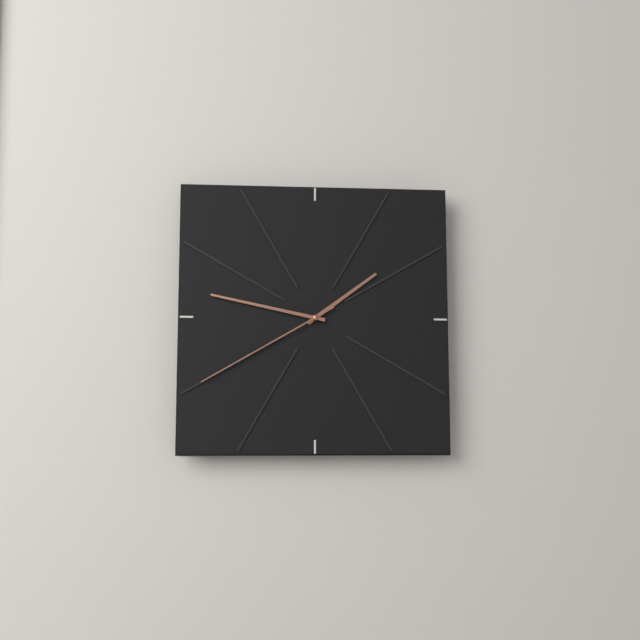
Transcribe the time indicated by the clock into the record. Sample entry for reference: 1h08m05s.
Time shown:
1h47m40s
